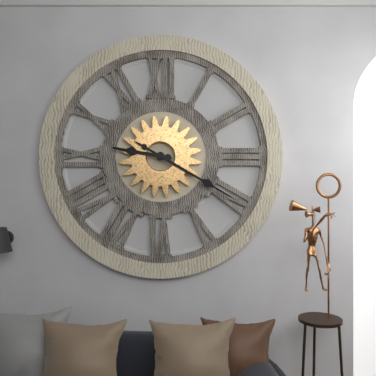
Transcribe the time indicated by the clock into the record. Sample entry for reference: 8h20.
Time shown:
9h20
